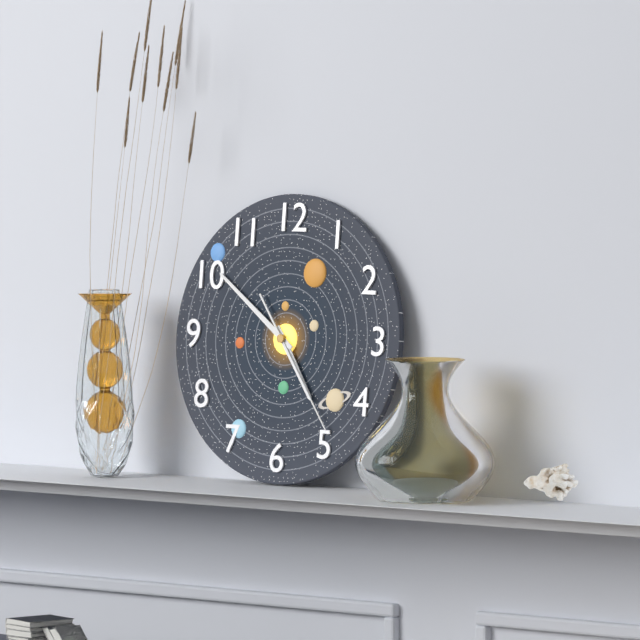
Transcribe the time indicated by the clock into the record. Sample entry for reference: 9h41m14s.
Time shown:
4h51m24s
